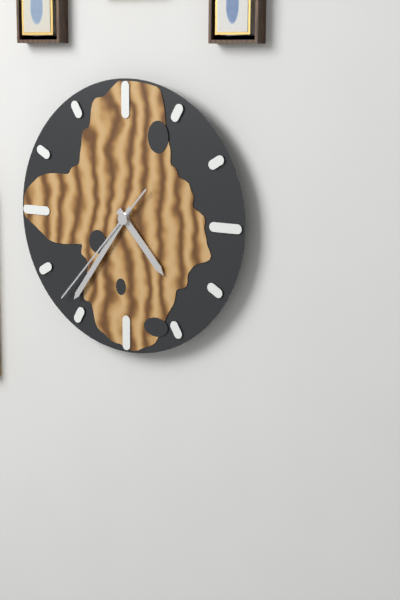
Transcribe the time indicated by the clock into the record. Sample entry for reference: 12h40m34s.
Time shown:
4h36m37s
